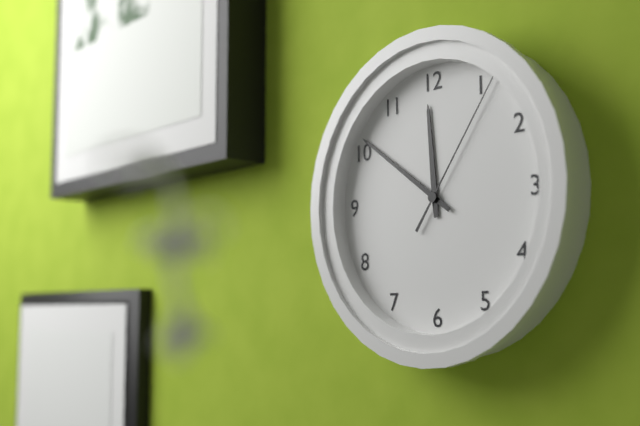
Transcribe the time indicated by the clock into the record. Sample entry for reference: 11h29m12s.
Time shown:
11h51m06s
